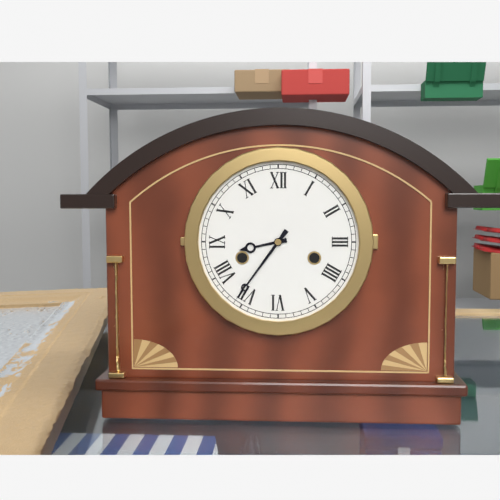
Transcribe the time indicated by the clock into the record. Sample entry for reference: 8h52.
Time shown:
8h36
